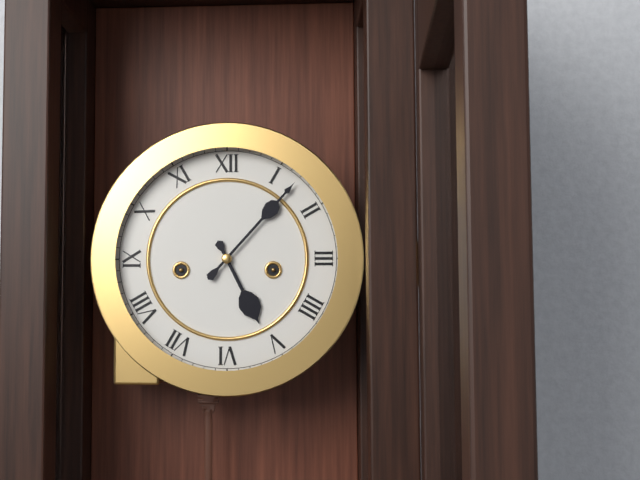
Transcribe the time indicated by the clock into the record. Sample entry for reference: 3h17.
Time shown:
5h07
